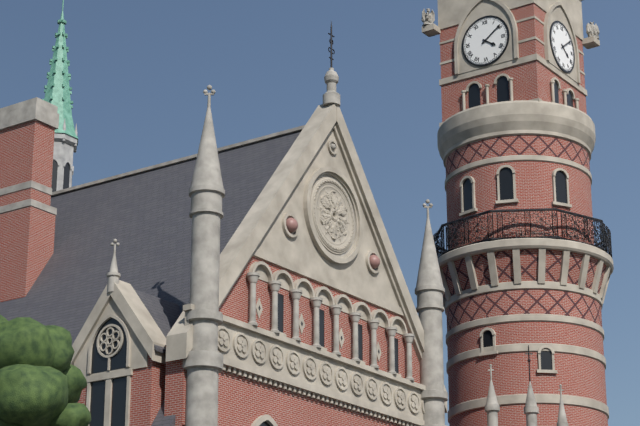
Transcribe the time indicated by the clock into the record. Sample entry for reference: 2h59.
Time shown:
4h09
